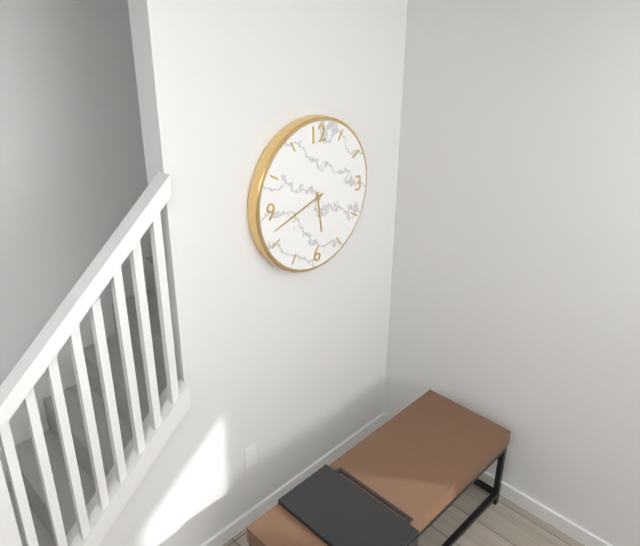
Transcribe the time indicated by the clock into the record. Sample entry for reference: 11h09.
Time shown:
5h42
